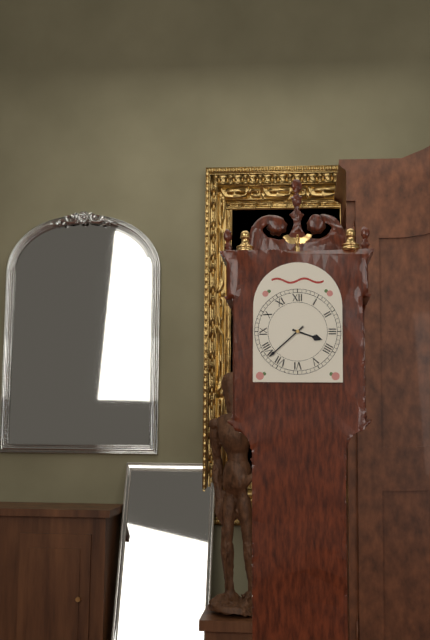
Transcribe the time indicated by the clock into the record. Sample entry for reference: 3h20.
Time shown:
3h38
